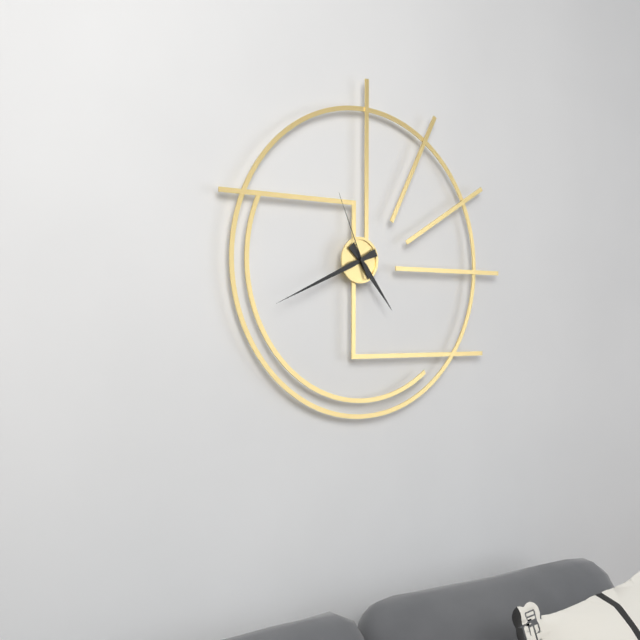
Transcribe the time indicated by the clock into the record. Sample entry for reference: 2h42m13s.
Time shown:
4h41m56s
